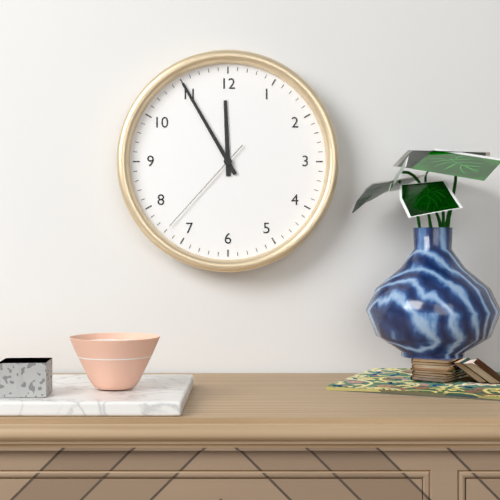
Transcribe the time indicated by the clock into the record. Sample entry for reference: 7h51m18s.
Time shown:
11h55m37s
